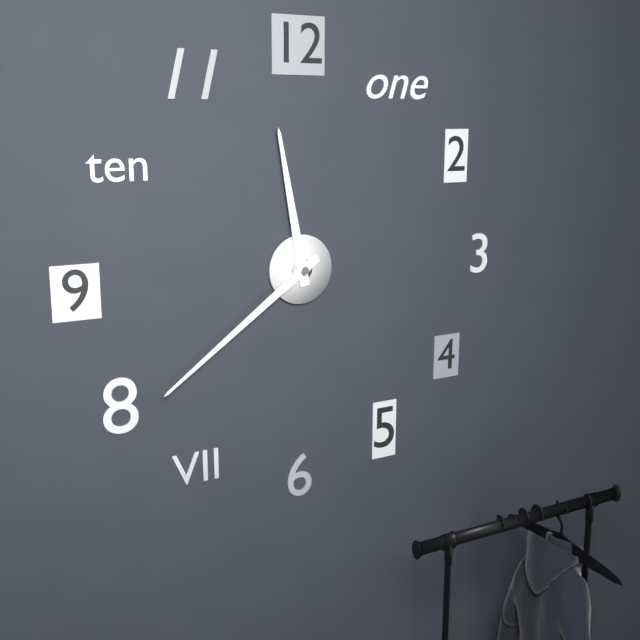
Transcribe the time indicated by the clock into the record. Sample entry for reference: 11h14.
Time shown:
11h39
